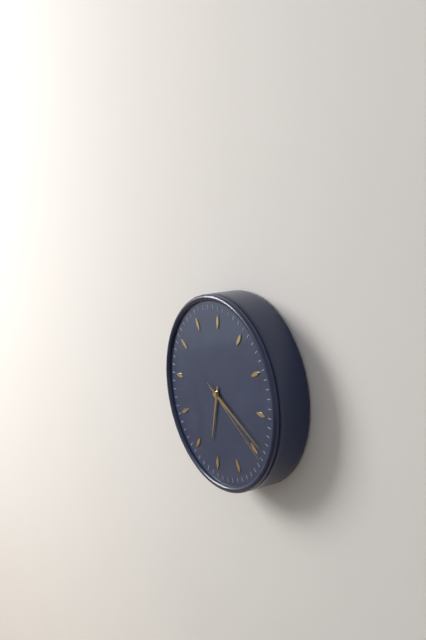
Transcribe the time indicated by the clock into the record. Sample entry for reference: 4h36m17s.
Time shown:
6h19m20s
